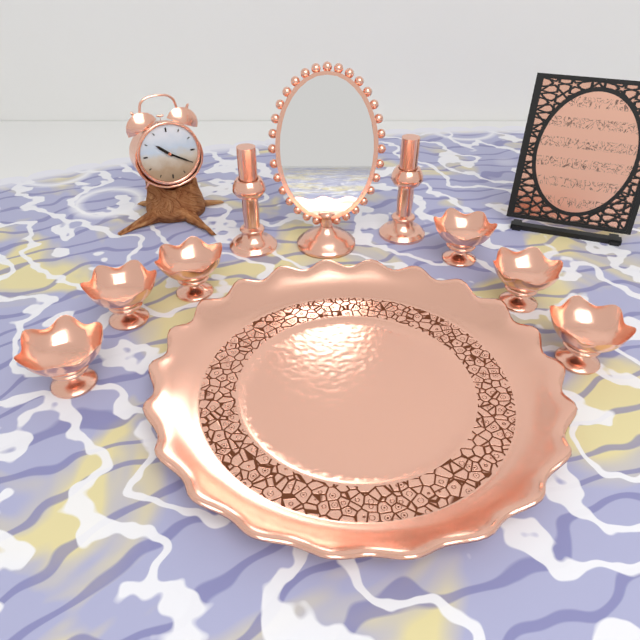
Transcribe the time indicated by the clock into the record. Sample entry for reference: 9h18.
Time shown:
10h20
